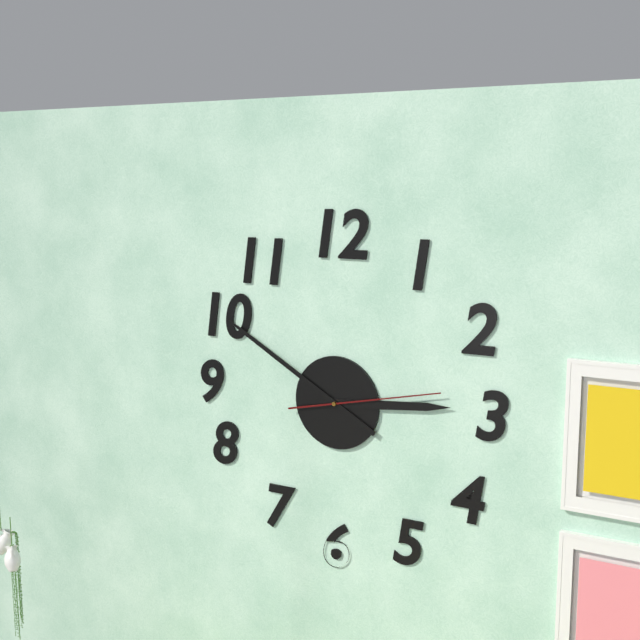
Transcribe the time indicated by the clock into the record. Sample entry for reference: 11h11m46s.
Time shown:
2h50m13s
